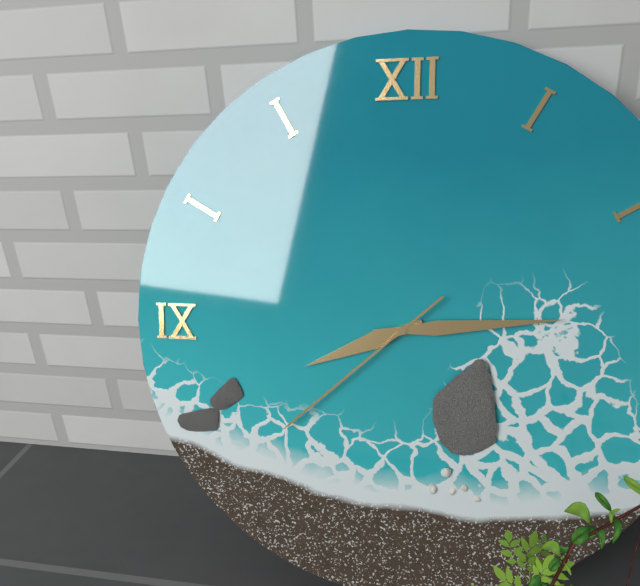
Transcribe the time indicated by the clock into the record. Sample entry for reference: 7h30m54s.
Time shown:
8h14m38s
